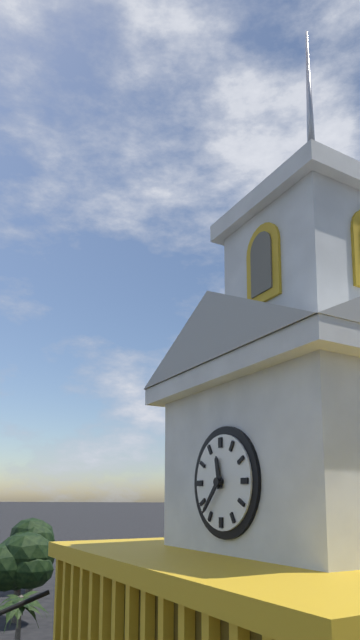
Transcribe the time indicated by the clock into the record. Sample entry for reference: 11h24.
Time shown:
11h37
